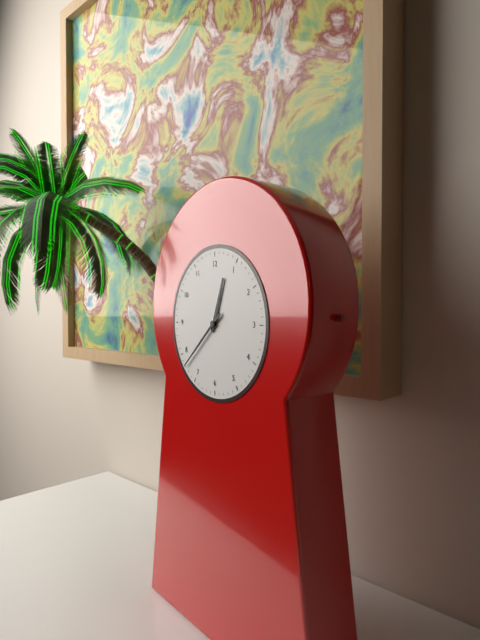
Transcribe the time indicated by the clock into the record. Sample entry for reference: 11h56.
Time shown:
12h38
